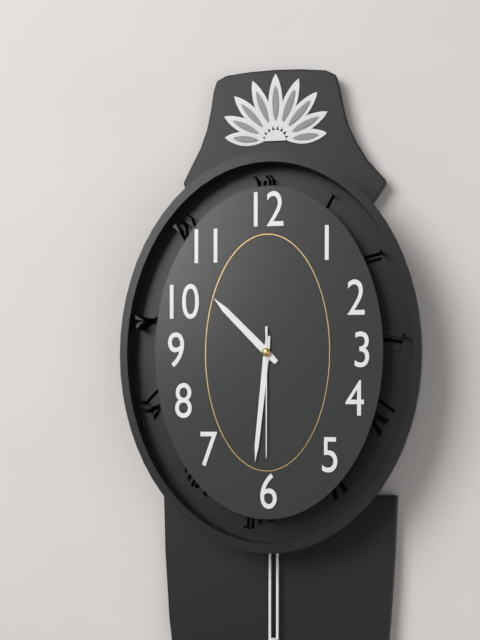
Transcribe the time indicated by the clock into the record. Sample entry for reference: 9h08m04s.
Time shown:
10h31m30s
